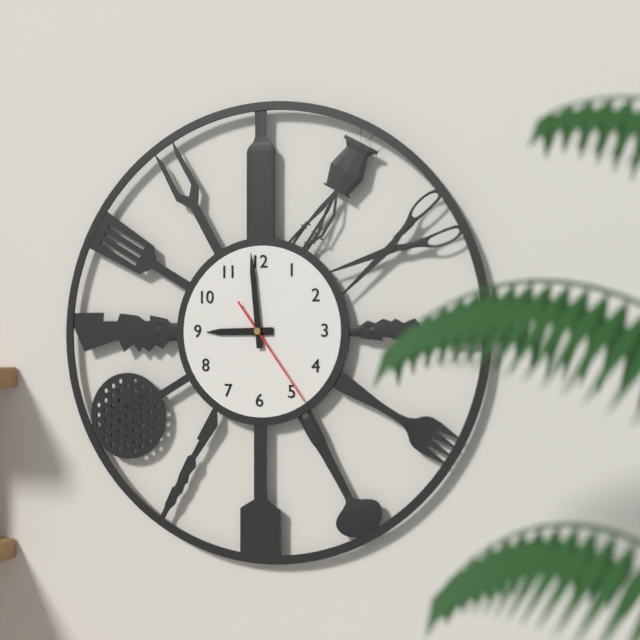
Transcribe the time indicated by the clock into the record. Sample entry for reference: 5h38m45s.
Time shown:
8h59m24s
